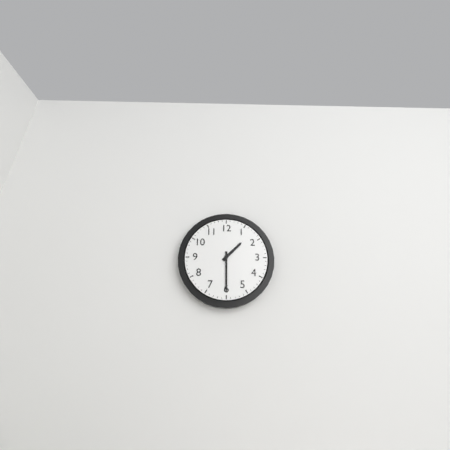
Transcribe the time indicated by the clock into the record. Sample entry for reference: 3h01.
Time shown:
1h30
